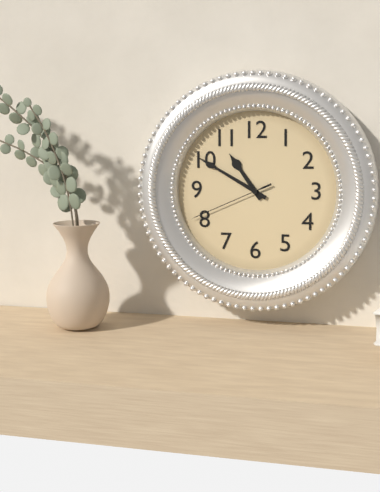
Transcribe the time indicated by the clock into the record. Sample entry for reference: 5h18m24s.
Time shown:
10h50m41s
